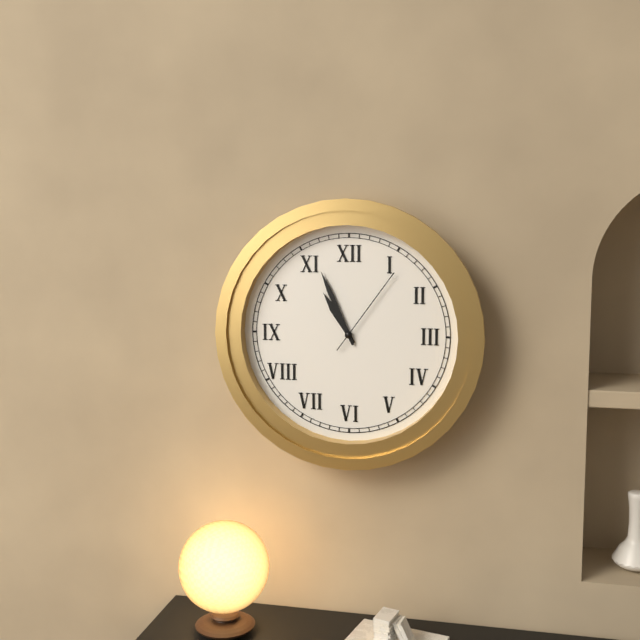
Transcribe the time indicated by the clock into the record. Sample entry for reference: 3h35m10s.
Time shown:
10h56m06s
